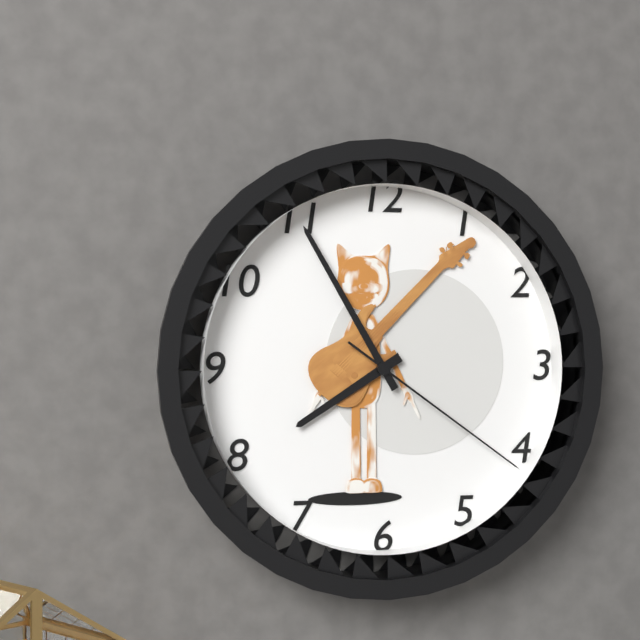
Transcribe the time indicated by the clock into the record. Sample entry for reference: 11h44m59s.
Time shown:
7h55m21s
